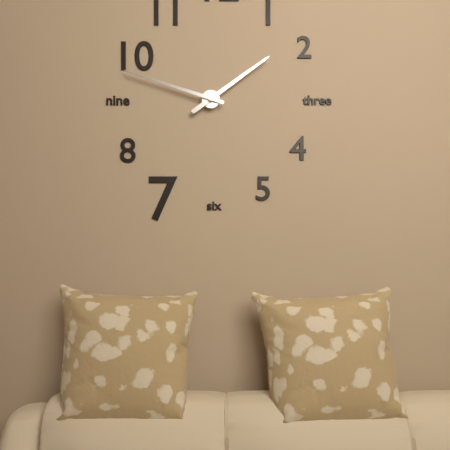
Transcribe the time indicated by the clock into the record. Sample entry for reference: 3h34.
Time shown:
1h48
